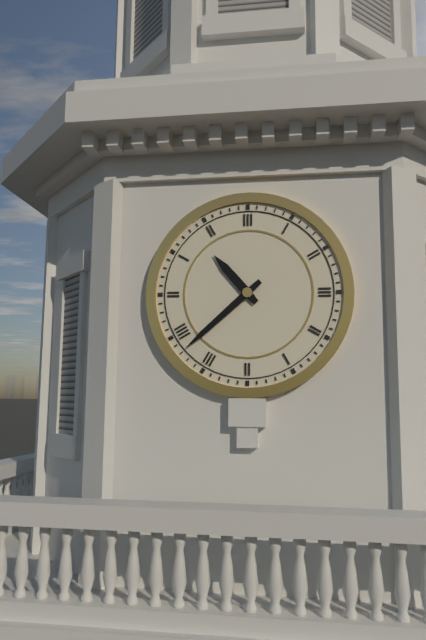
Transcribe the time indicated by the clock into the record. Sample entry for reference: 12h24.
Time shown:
10h38
